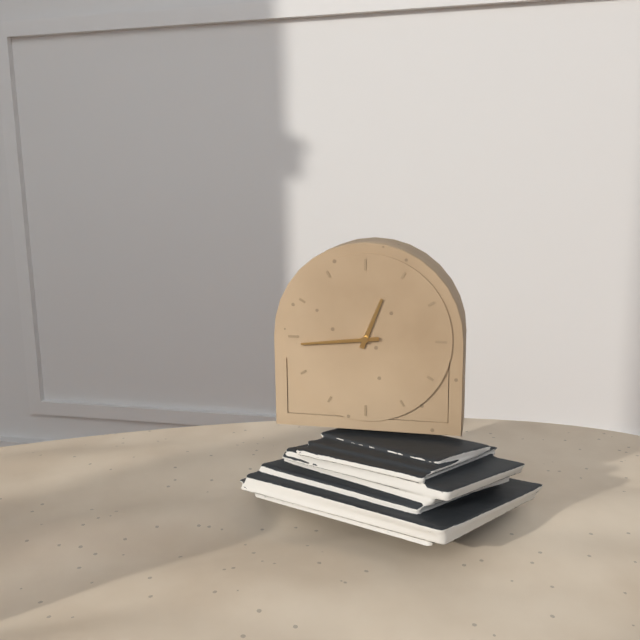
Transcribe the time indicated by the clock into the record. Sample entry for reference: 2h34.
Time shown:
12h44
